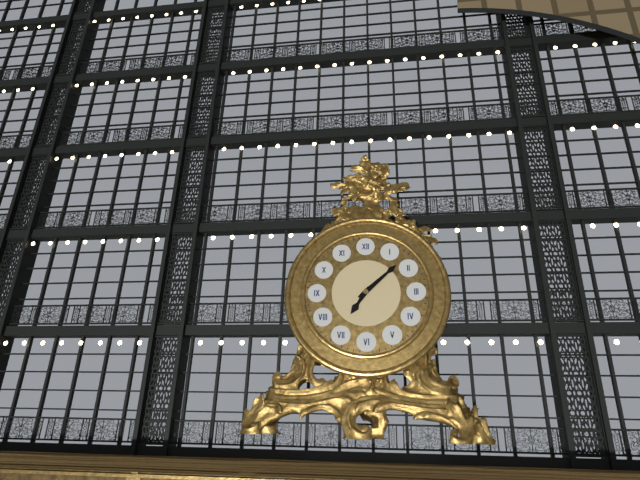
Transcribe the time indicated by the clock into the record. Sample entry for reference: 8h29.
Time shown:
7h08
